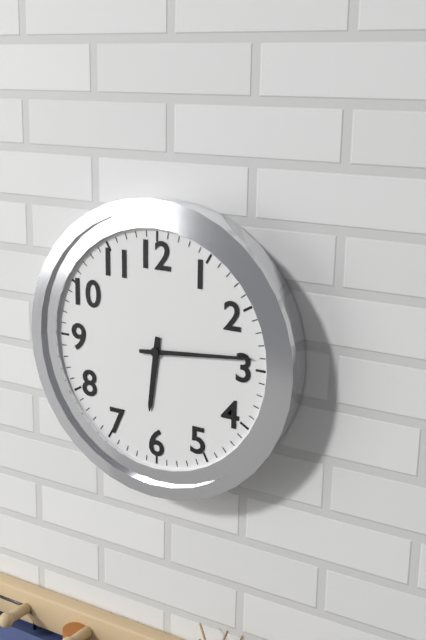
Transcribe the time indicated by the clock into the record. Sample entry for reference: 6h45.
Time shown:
6h14
